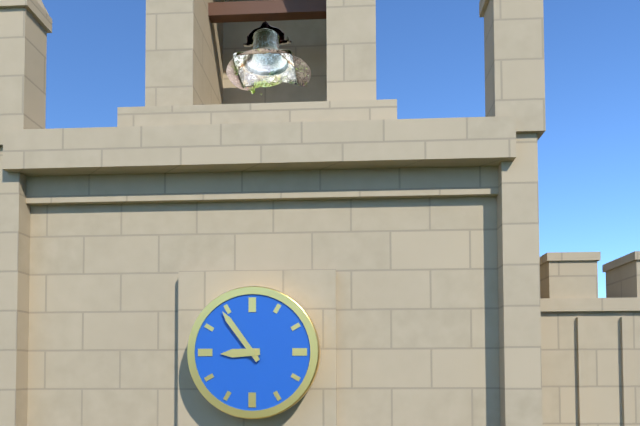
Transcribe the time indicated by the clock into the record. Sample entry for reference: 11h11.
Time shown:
8h54
